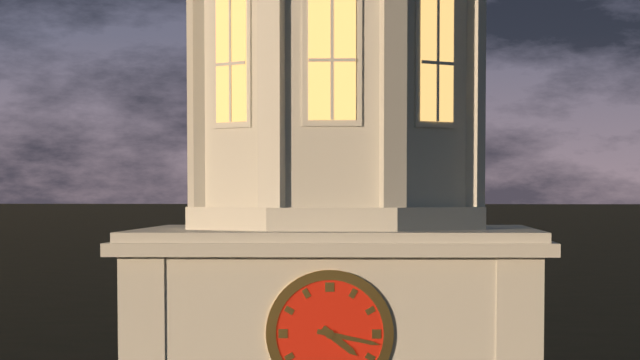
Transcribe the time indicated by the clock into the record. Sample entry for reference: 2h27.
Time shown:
4h17
